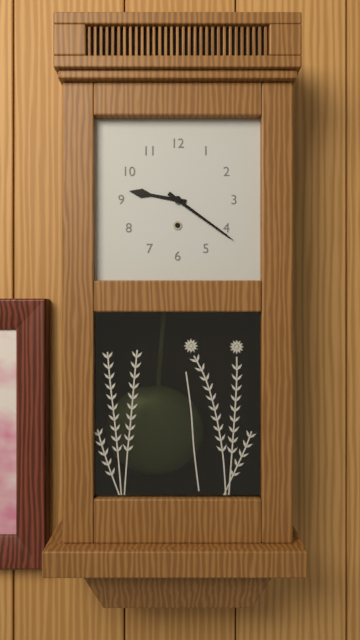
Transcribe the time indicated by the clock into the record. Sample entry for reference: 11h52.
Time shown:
9h21
